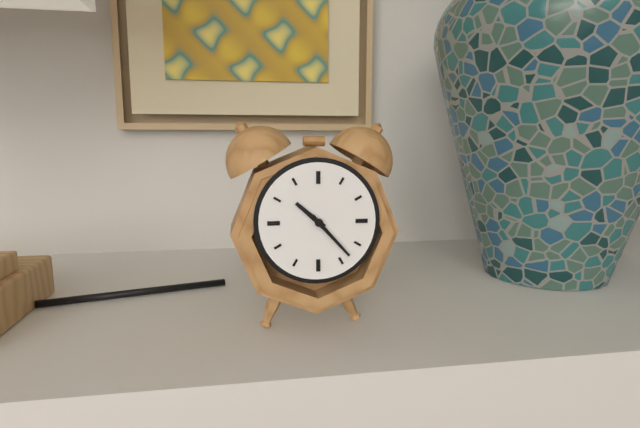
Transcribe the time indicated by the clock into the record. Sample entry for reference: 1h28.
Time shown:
10h23
